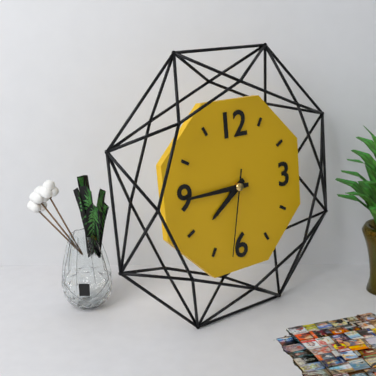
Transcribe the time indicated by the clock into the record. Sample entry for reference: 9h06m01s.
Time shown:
7h45m32s
